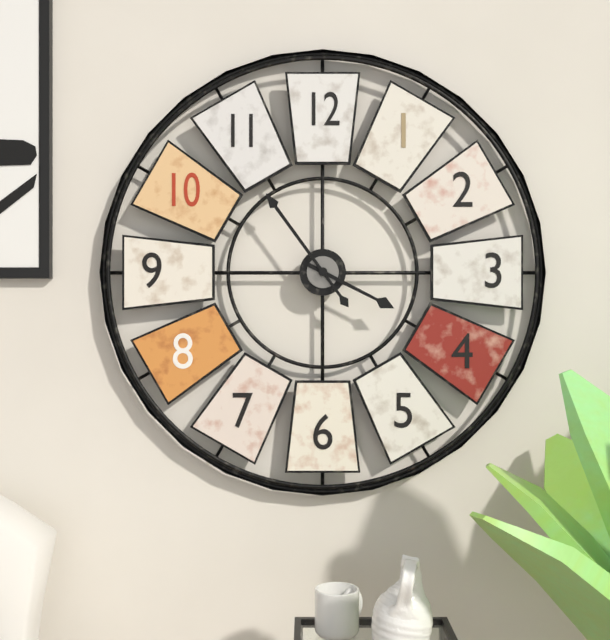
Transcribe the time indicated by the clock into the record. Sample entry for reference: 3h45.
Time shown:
3h54
